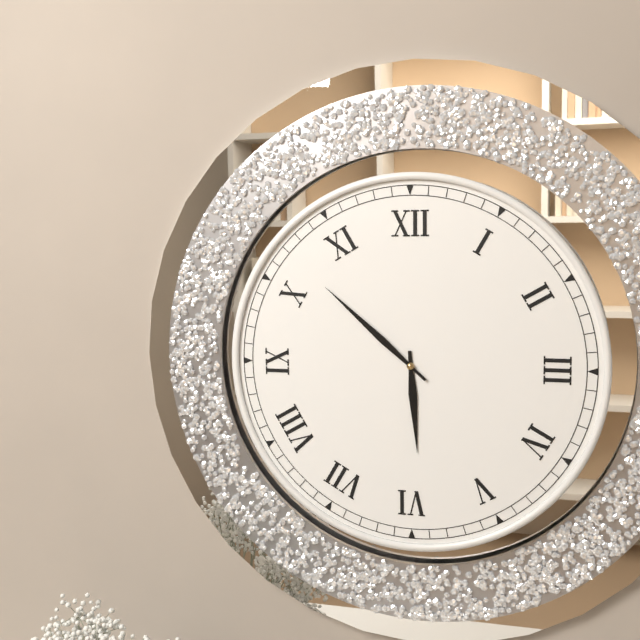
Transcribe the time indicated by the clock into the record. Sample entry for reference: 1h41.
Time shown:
5h52
